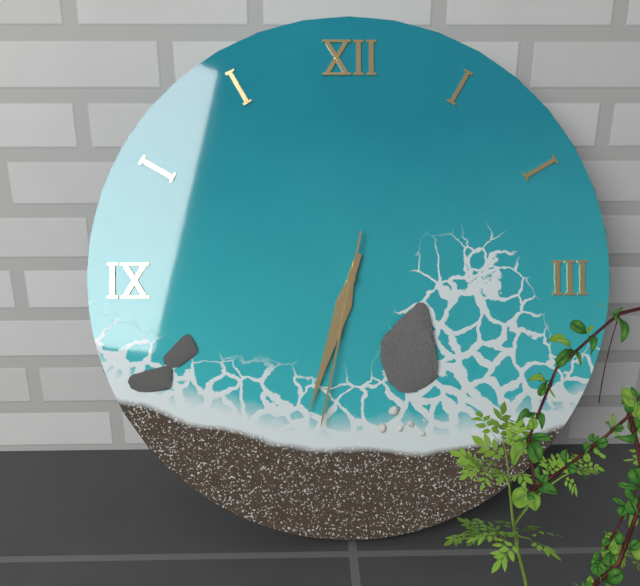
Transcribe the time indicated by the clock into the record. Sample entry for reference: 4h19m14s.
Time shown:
6h33m32s
